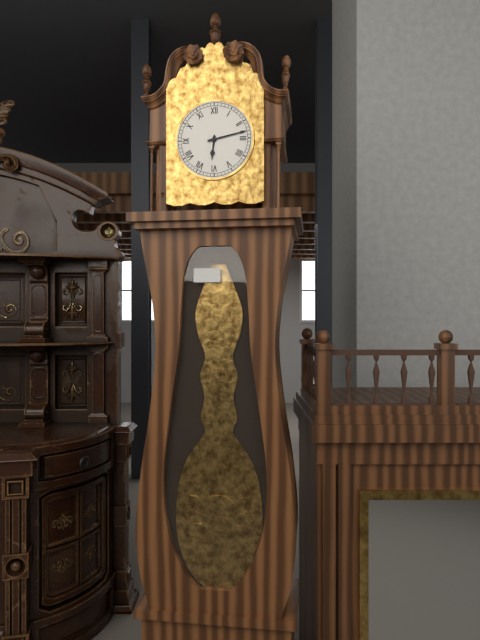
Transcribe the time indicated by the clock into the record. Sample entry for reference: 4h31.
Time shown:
6h13
